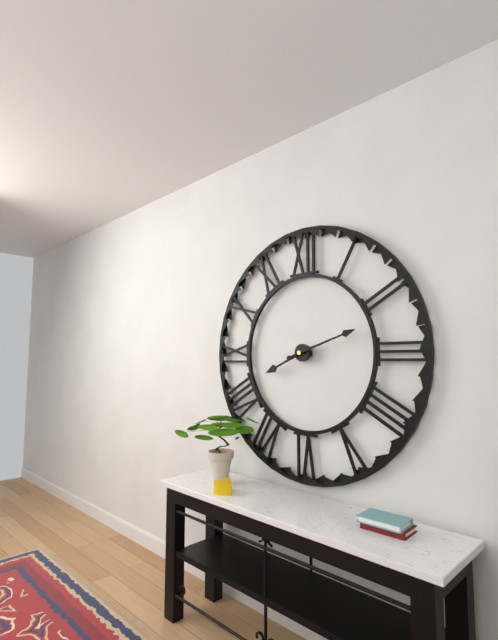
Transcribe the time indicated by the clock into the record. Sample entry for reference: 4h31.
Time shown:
8h12
